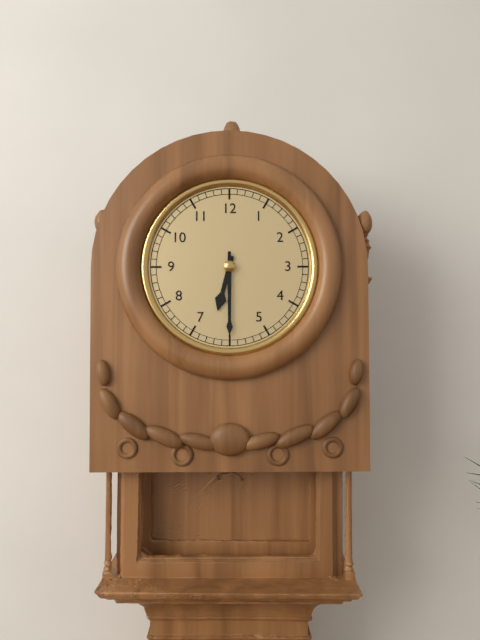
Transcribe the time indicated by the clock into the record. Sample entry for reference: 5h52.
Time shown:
6h30
